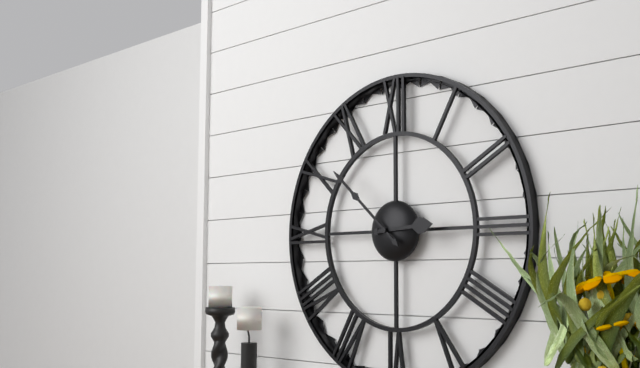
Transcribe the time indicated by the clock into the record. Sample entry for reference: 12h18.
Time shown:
2h52
